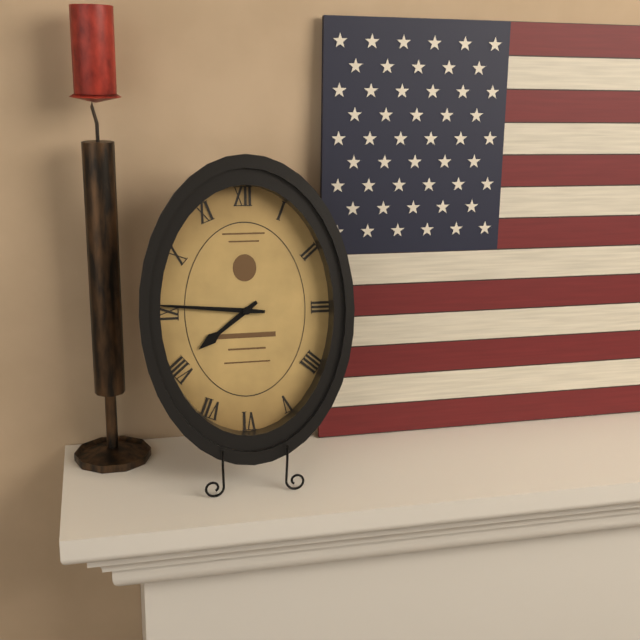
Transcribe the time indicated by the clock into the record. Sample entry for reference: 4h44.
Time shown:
7h46
